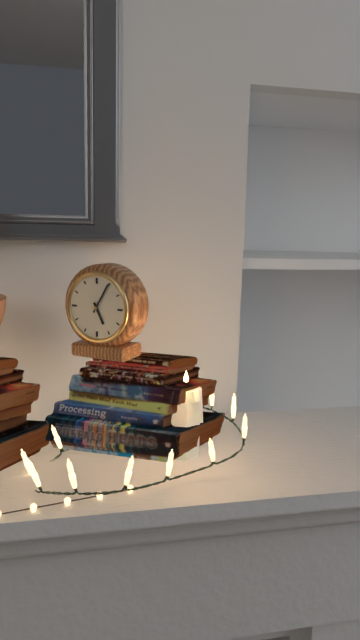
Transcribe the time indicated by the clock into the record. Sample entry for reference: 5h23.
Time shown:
5h05
